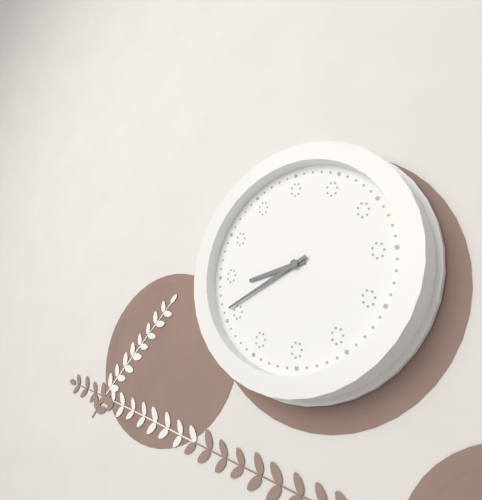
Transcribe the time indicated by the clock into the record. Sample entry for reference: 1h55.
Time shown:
8h41
